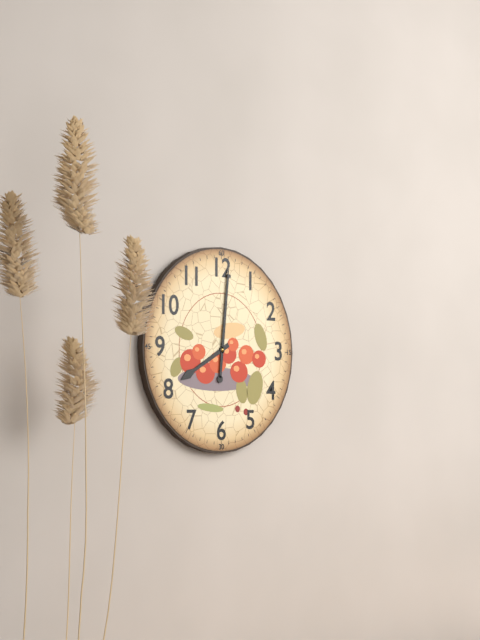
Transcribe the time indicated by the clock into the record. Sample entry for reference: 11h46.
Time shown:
8h01
